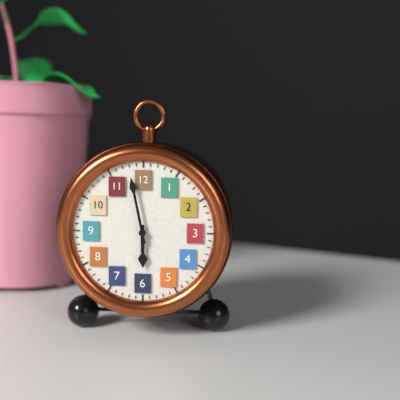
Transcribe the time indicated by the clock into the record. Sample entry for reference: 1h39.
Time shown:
5h58
